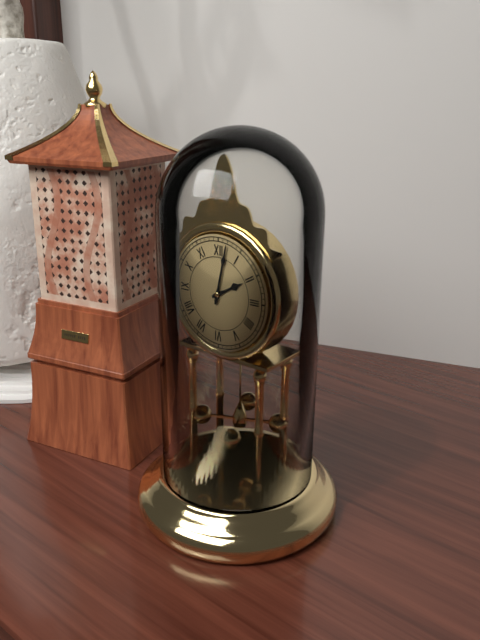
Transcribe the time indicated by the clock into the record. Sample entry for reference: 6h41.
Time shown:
2h02
